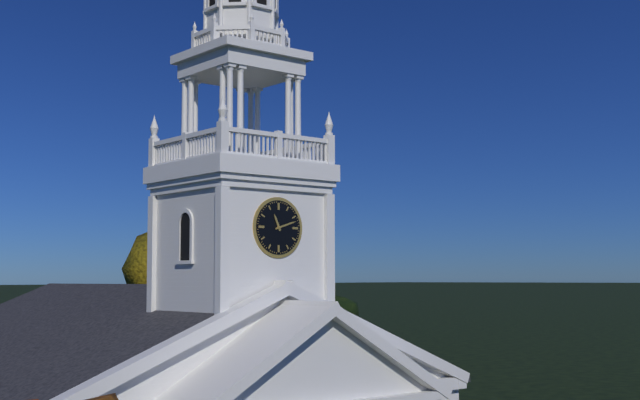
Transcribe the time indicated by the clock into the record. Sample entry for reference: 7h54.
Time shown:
11h12
